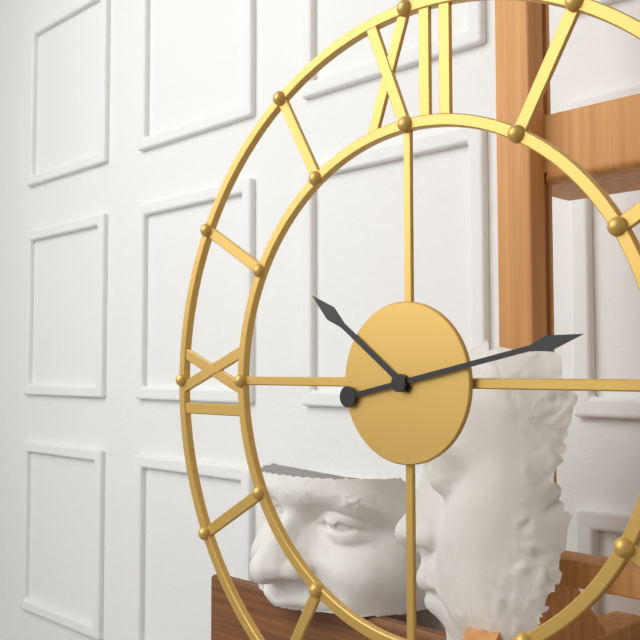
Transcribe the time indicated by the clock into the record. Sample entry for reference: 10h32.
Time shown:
10h13
